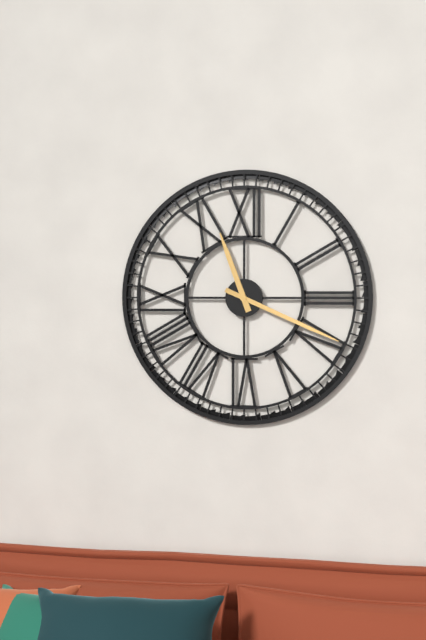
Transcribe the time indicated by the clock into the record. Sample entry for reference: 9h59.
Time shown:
11h19
